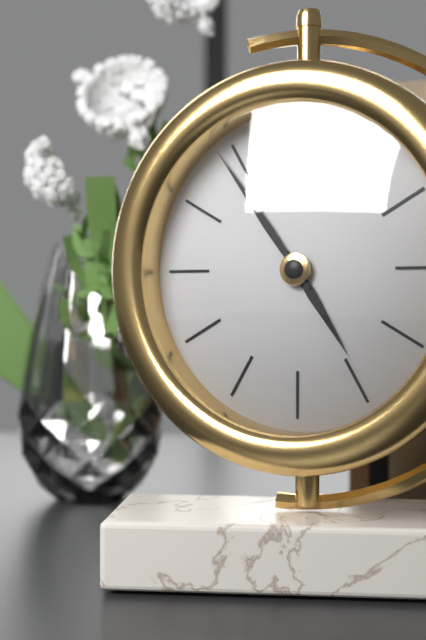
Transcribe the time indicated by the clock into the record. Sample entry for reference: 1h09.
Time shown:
4h54
